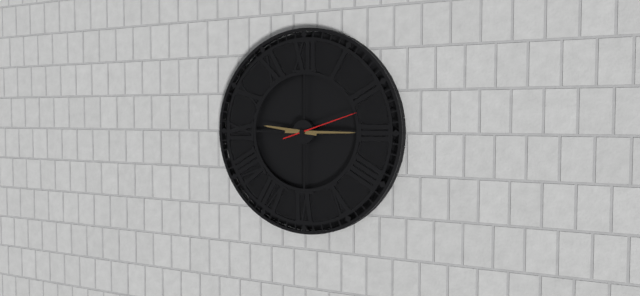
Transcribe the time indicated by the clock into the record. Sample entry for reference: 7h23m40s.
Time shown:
9h15m12s
